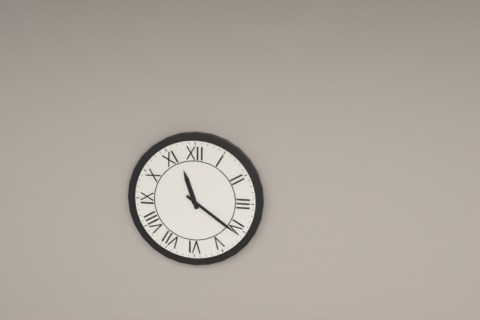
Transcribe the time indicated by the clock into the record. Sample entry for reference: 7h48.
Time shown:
11h21
